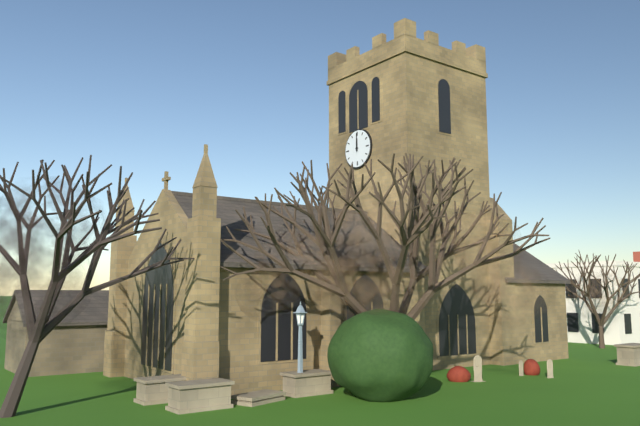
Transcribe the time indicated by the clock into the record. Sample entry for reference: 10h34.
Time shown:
12h00
